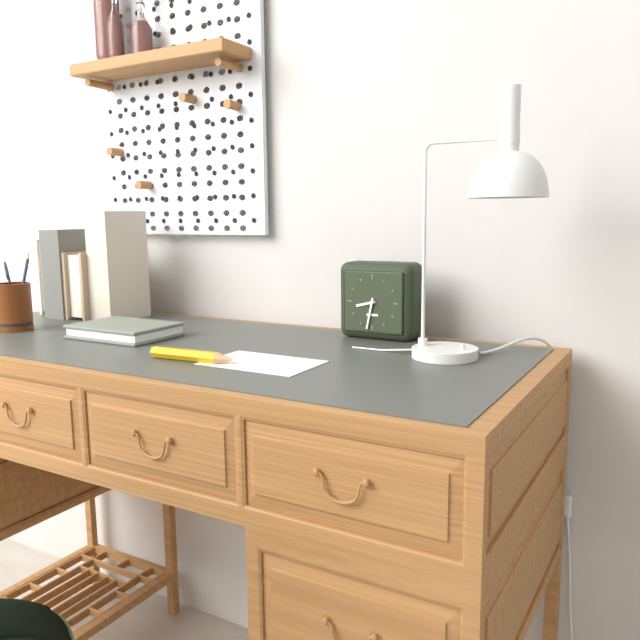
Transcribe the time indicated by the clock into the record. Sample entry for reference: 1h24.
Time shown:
8h32
